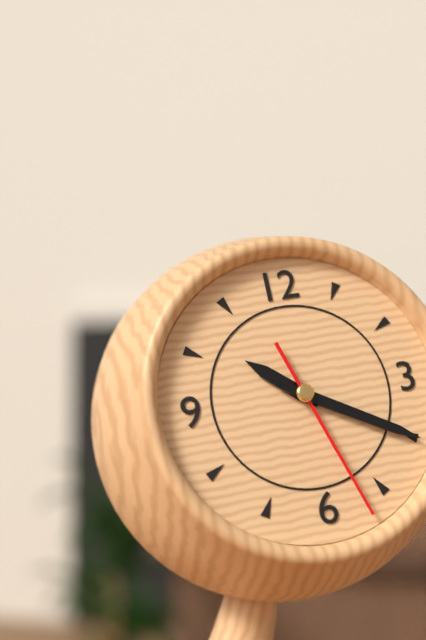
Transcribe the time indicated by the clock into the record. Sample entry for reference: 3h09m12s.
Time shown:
10h20m27s
